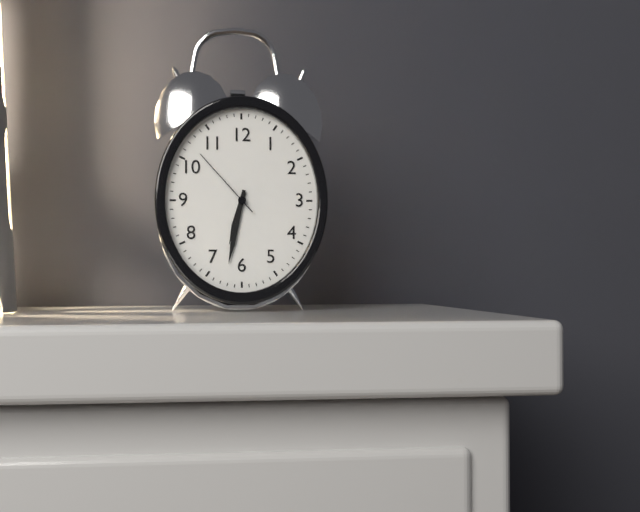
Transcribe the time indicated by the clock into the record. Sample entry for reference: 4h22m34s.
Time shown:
6h32m53s
